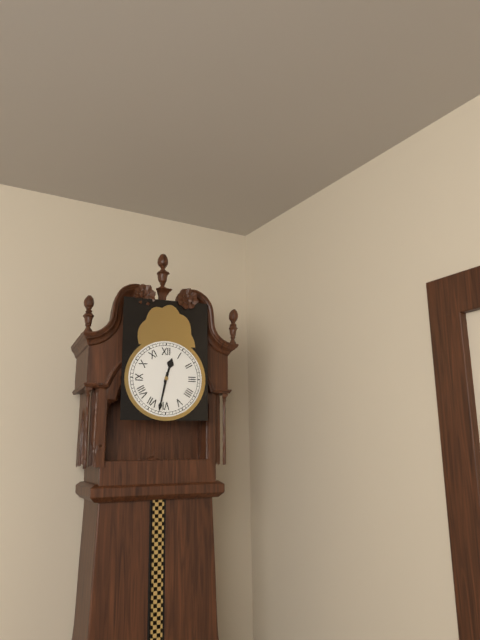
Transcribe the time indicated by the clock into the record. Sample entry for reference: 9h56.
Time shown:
12h32
